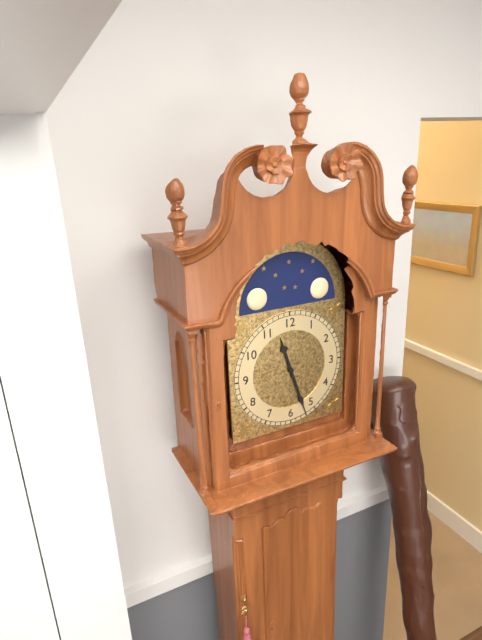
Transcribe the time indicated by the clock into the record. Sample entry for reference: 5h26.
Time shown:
11h27
